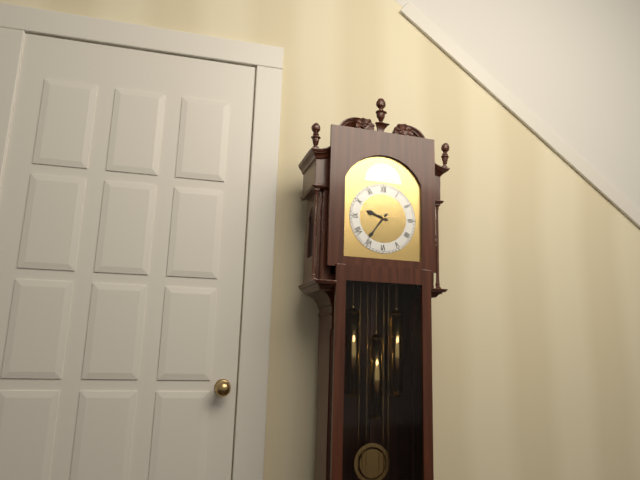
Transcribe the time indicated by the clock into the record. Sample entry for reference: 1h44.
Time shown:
9h36
